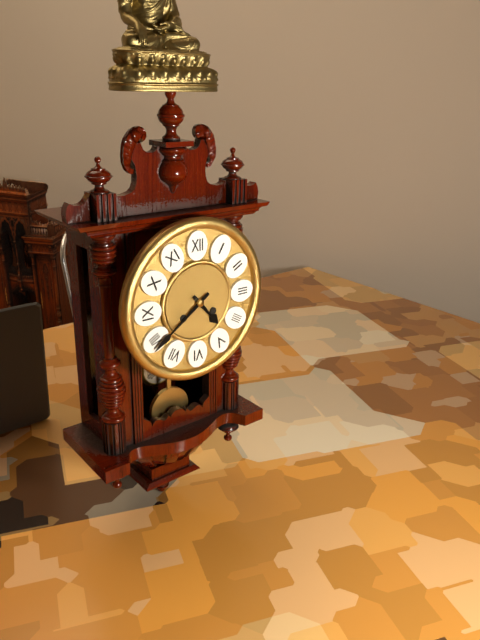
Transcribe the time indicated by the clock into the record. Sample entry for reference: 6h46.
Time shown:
4h39
